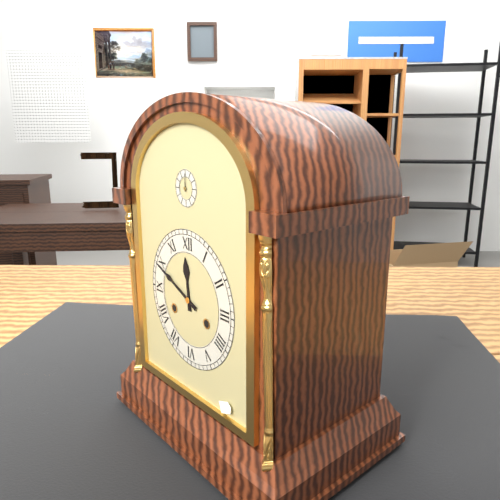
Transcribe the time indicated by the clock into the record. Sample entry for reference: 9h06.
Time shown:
11h49
